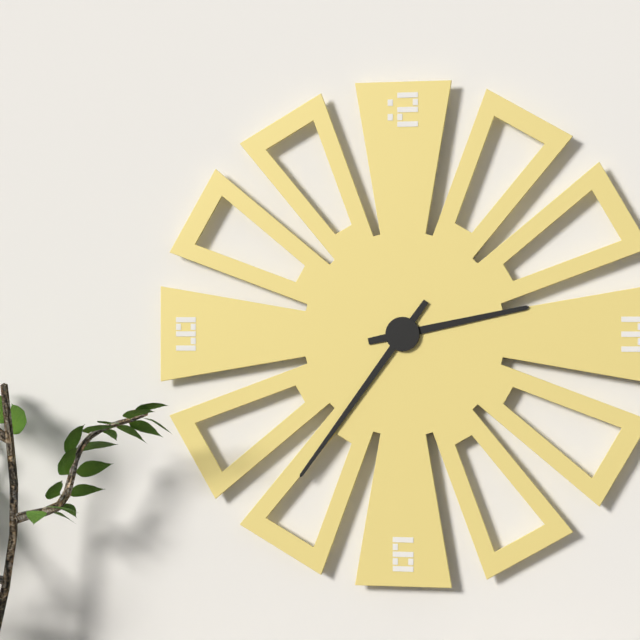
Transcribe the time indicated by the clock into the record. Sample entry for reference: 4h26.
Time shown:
2h36
